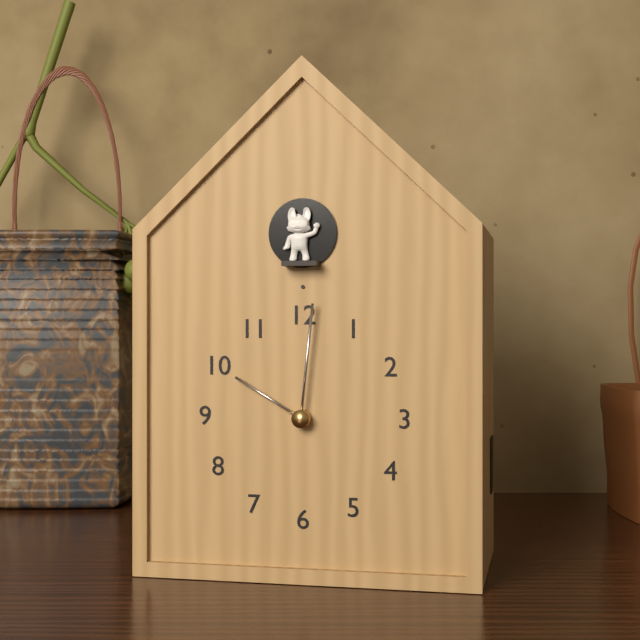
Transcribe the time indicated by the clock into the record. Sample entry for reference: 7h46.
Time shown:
10h01
